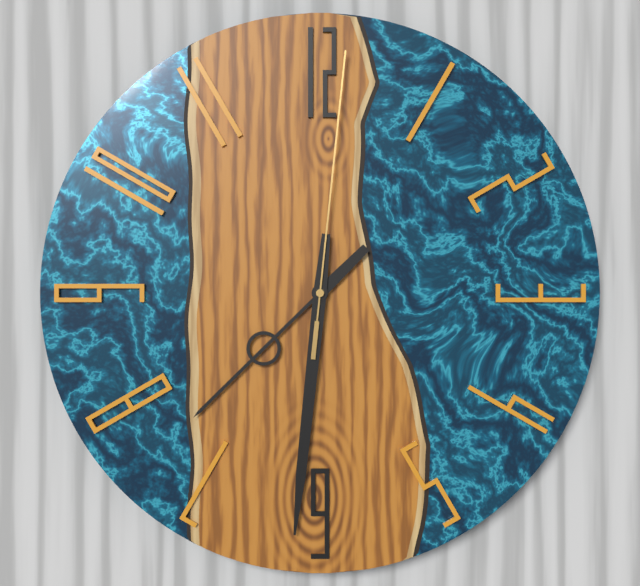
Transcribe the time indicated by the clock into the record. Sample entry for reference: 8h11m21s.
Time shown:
7h31m01s
